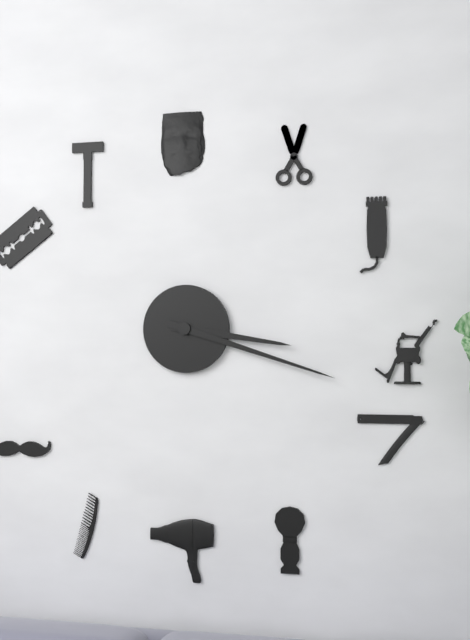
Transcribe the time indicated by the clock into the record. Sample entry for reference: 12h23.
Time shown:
3h18
